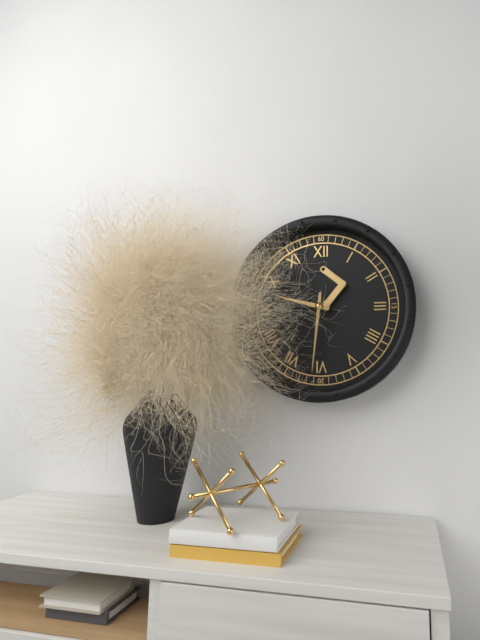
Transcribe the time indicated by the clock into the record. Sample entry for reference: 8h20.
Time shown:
9h31
